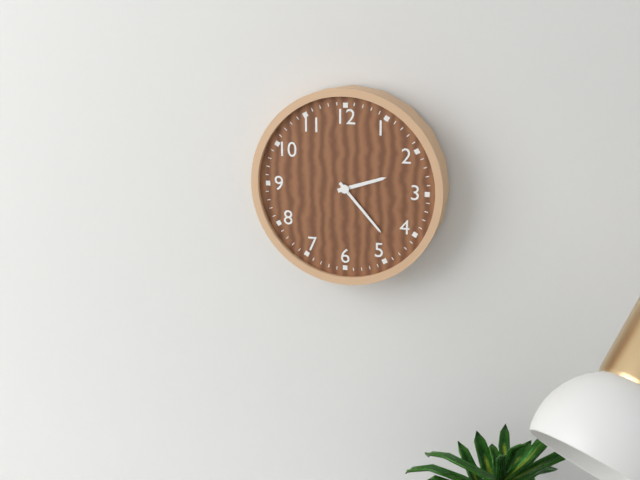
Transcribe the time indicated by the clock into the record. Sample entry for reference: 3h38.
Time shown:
2h23
